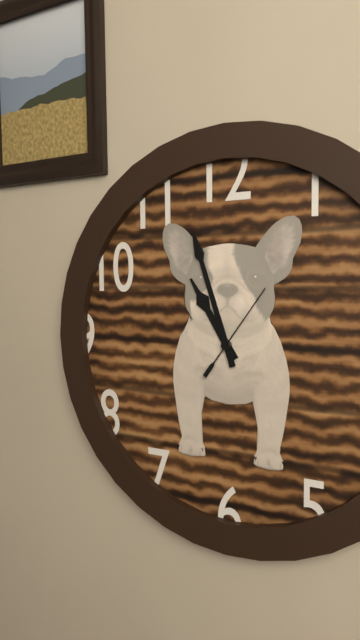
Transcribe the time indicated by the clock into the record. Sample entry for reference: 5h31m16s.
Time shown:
10h57m06s
